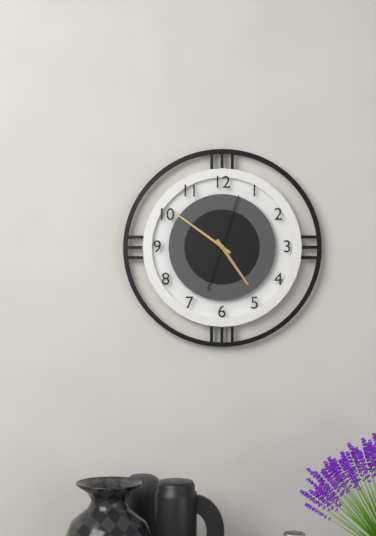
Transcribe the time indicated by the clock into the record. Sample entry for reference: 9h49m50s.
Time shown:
4h51m03s
